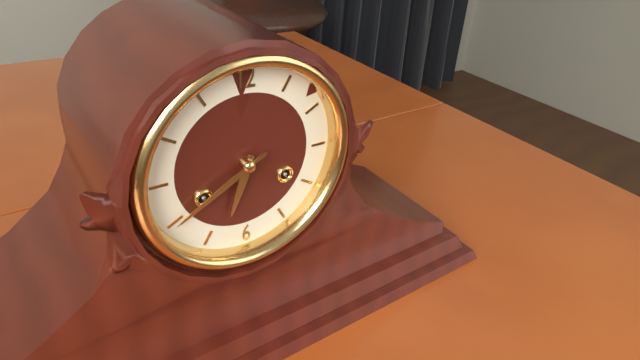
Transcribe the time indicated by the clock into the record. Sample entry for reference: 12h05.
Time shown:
6h40
